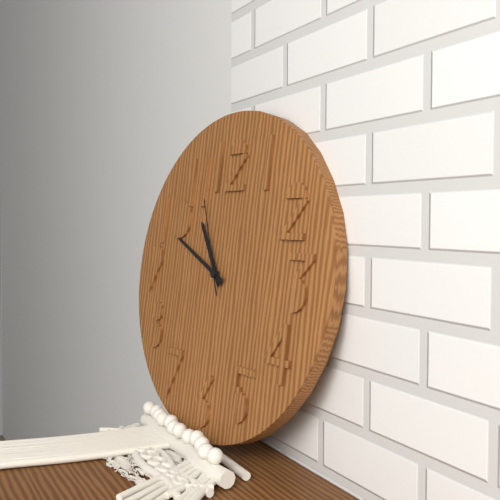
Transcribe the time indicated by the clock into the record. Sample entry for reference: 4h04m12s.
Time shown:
10h49m56s
